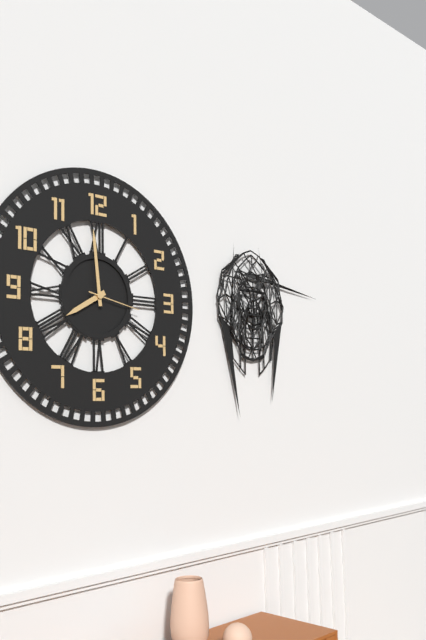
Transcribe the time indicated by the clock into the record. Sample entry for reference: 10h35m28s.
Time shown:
7h59m17s
